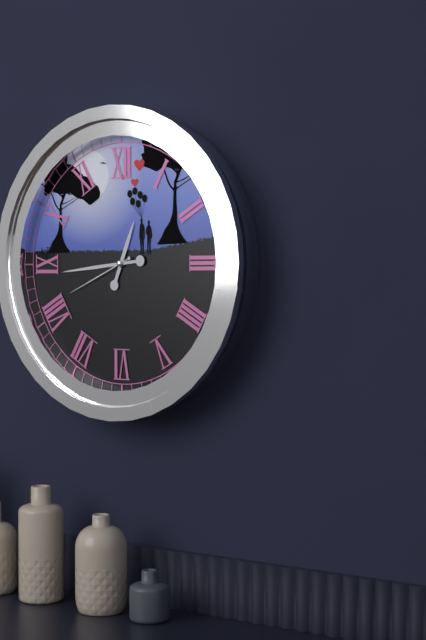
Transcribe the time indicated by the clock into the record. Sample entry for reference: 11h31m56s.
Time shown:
12h44m41s
